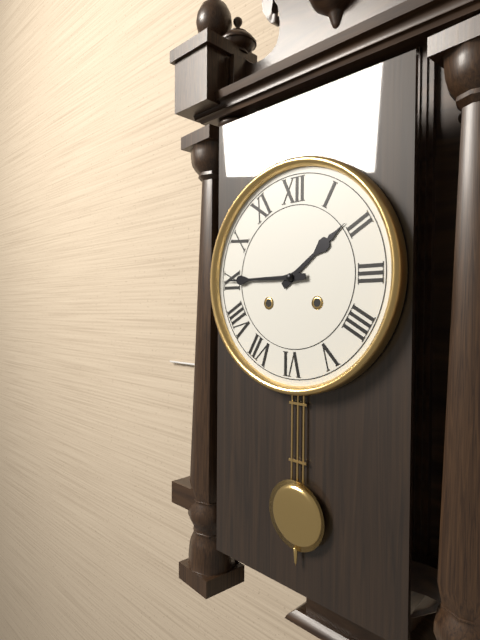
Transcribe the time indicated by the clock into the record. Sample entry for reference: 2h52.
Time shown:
1h45
